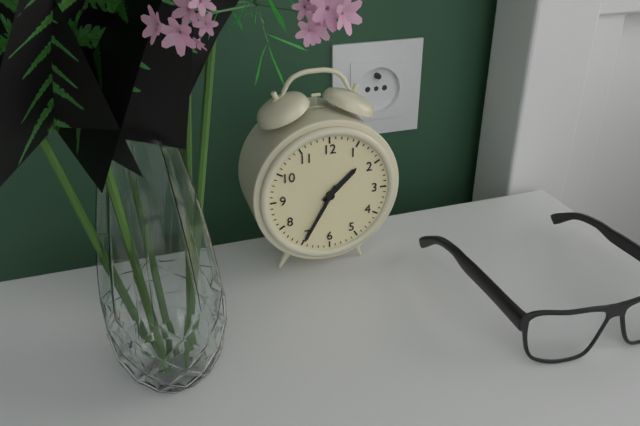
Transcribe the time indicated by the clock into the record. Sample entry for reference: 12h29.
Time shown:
1h35
